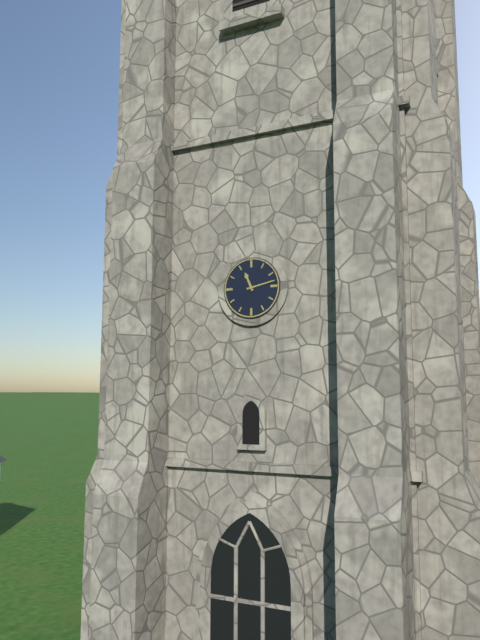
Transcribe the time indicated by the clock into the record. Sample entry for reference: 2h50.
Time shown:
11h13
